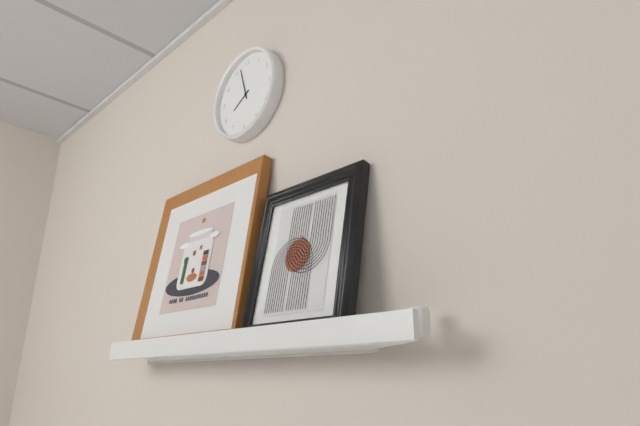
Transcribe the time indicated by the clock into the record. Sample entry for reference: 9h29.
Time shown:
7h57
